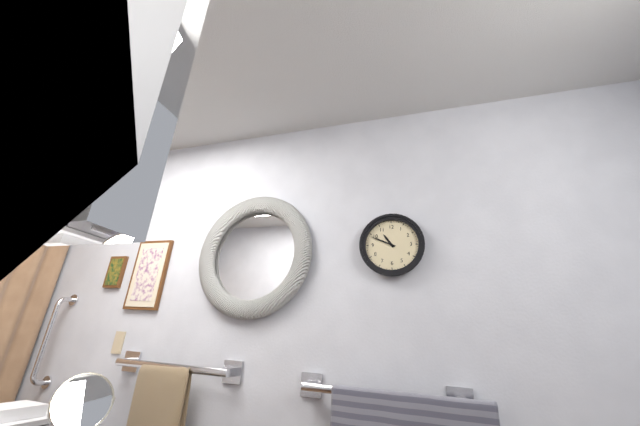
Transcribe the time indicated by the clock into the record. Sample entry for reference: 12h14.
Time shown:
10h49
